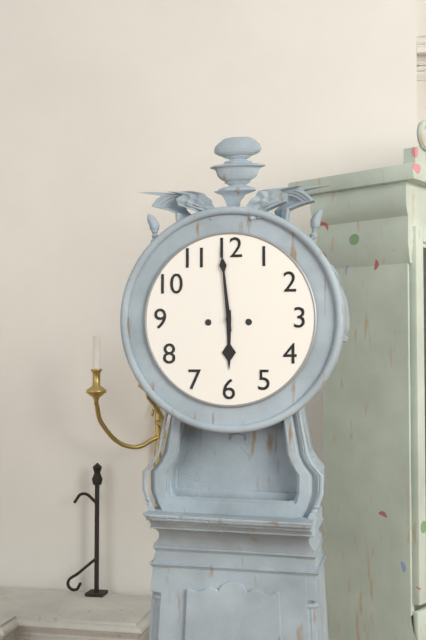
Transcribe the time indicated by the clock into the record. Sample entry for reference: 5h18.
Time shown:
5h59
